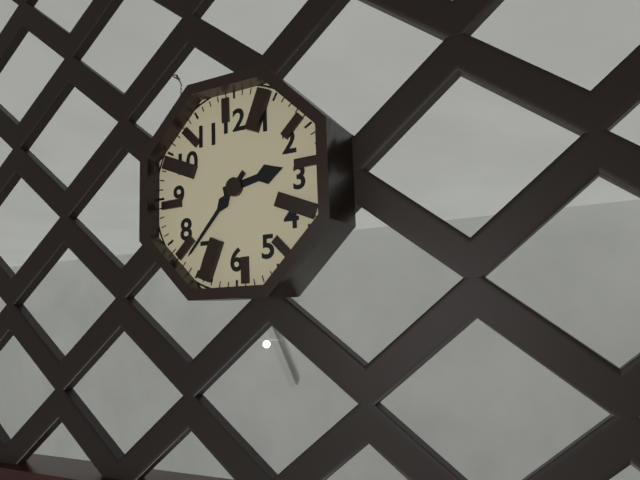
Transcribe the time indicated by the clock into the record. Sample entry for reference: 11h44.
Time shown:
2h37
